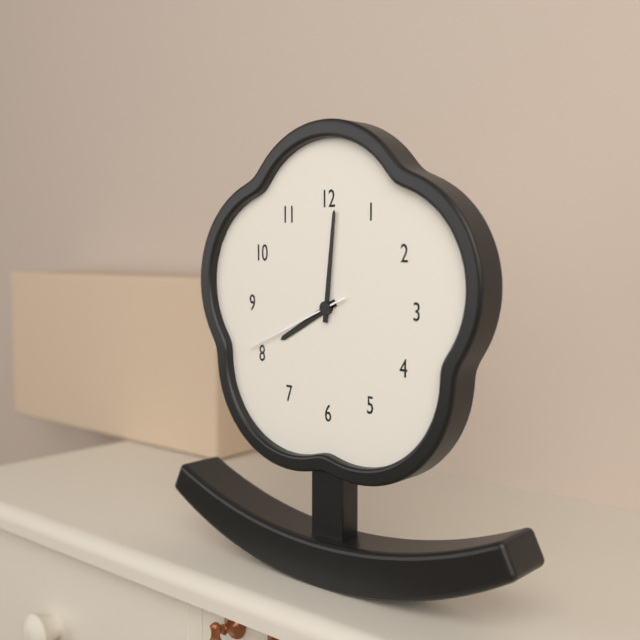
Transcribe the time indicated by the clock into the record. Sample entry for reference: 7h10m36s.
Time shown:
8h01m41s
